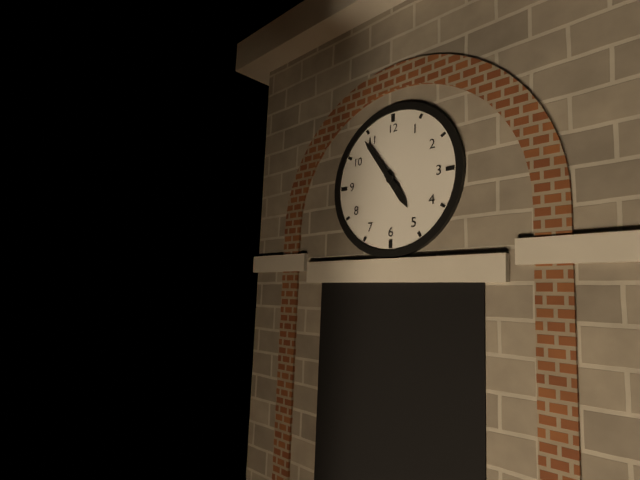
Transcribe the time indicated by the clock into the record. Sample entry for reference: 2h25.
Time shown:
4h54
